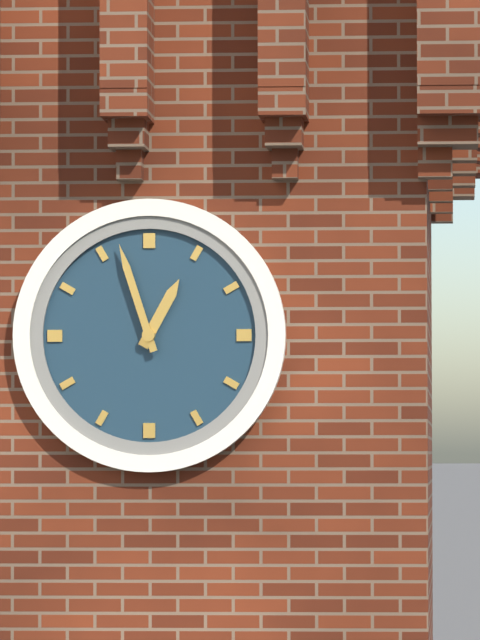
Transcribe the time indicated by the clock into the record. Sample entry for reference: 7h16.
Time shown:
12h57
